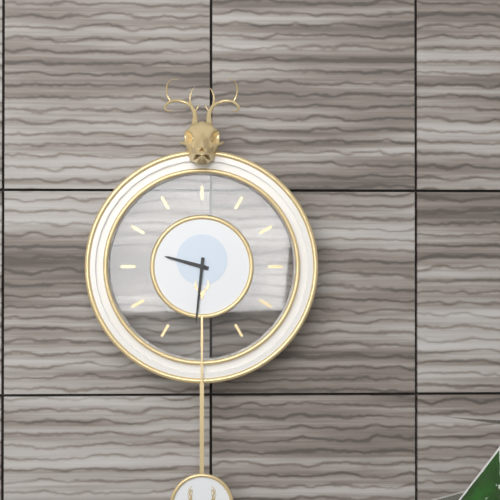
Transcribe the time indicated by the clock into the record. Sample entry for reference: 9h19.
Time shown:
9h31
